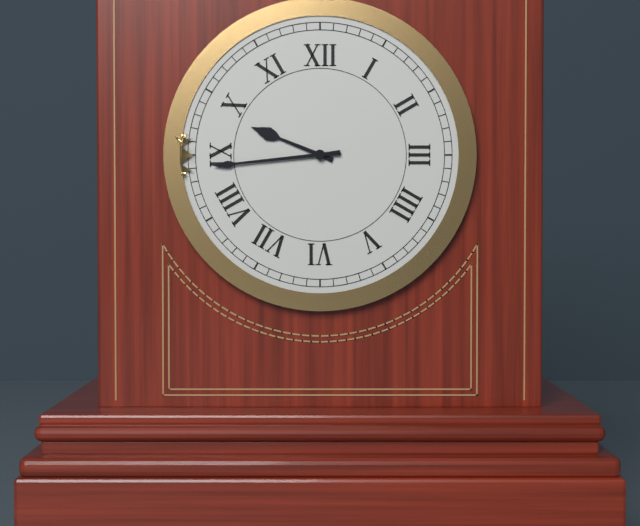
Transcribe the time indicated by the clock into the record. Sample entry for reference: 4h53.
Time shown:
9h44
